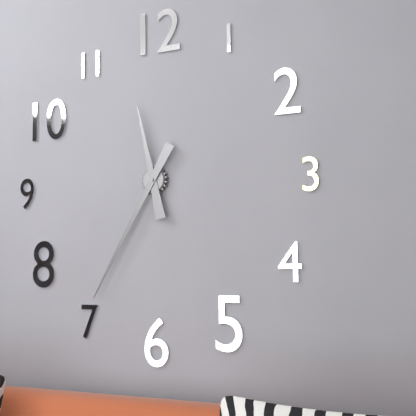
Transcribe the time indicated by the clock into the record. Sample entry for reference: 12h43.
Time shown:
11h35
